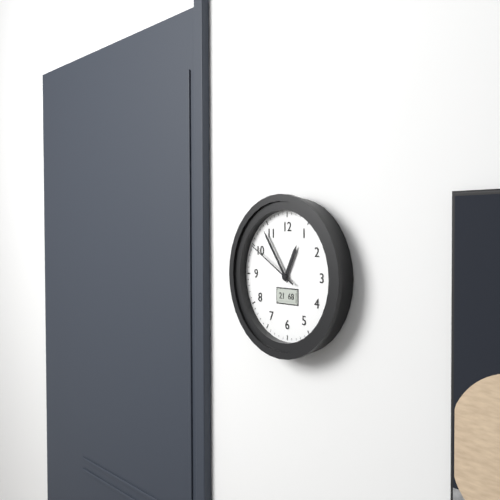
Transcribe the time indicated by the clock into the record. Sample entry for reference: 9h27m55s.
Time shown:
12h54m50s
